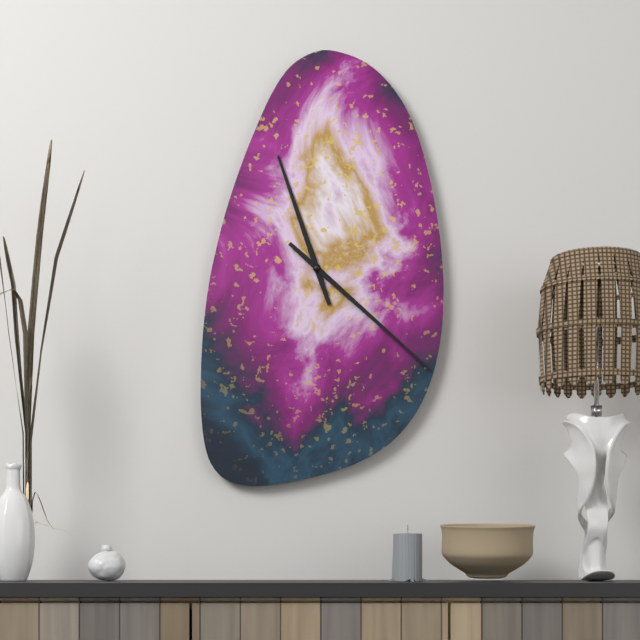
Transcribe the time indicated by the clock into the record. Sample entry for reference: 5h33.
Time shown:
11h22
